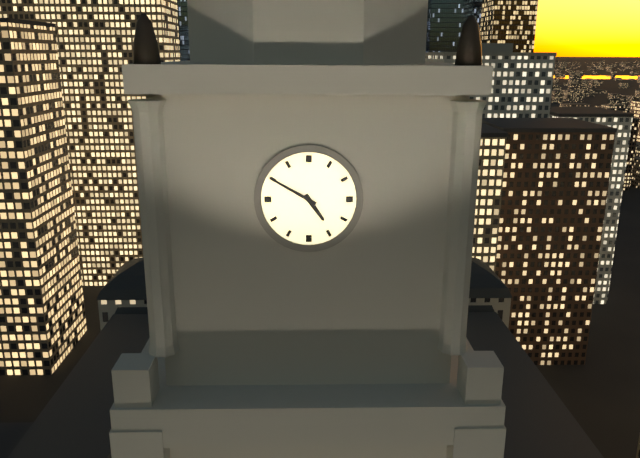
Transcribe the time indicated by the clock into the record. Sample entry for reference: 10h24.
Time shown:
4h50
